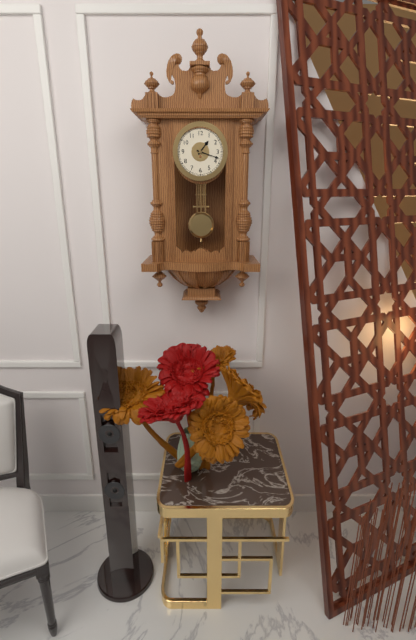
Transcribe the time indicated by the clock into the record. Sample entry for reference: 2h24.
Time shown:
1h18
